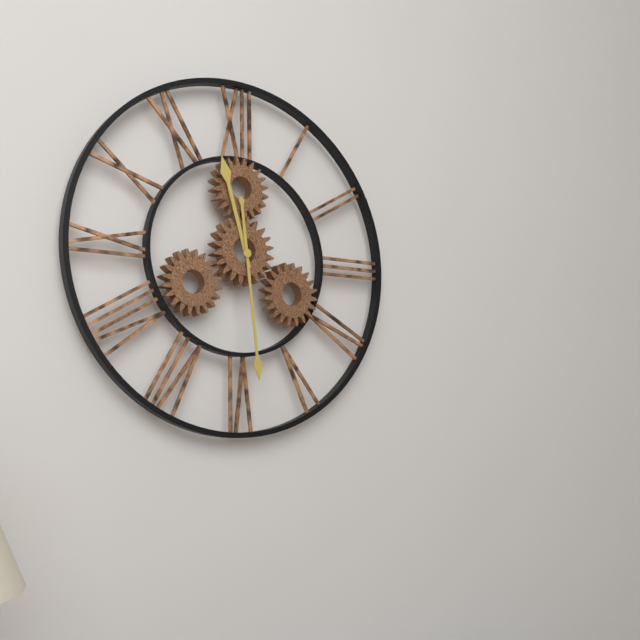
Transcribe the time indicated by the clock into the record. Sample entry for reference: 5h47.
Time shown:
11h29
